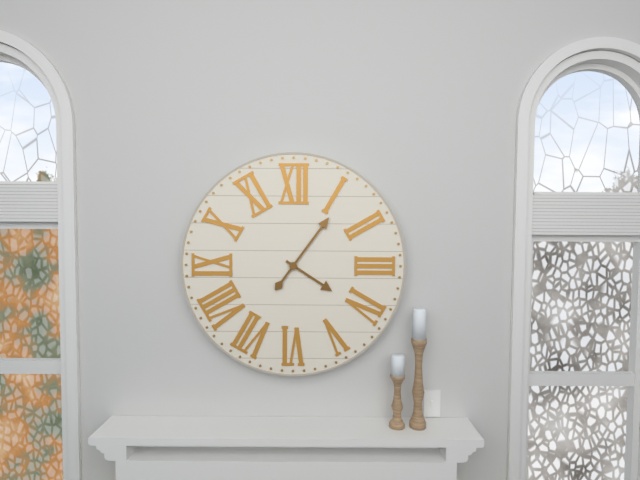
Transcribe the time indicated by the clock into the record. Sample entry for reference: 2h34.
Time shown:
4h06
